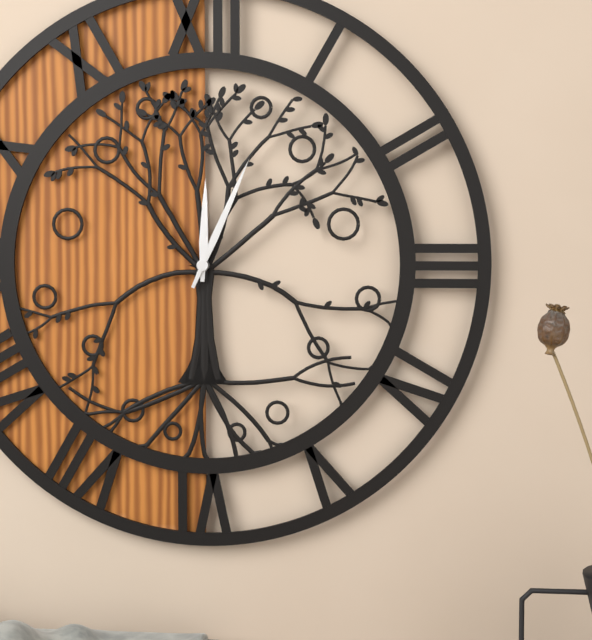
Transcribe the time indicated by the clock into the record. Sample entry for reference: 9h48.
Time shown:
12h04
